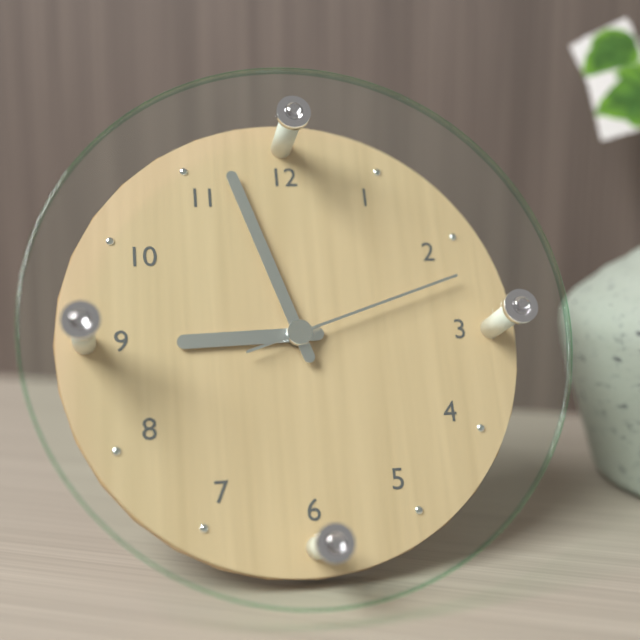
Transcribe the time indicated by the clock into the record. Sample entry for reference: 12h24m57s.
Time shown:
8h57m12s
